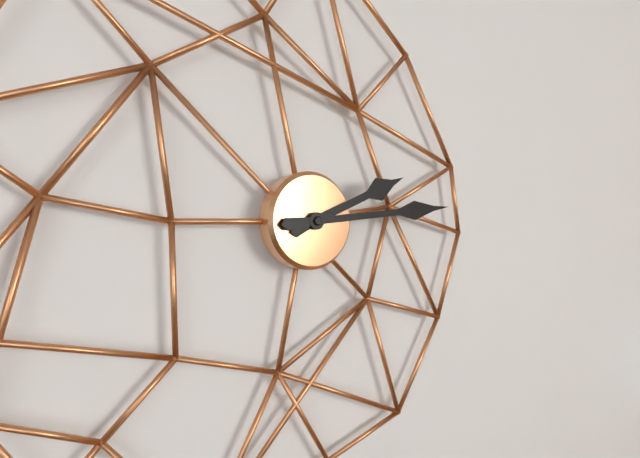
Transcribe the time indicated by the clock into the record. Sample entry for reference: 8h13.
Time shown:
2h14
